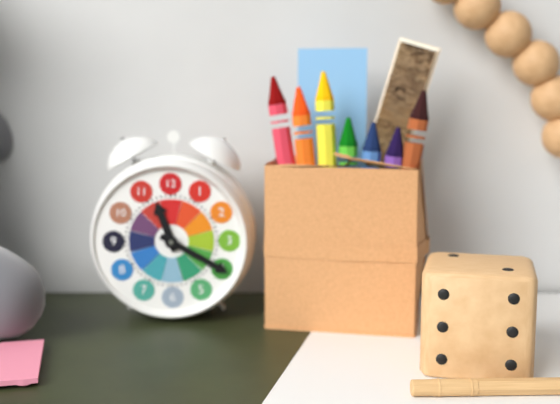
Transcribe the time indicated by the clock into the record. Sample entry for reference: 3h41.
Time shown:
11h20
